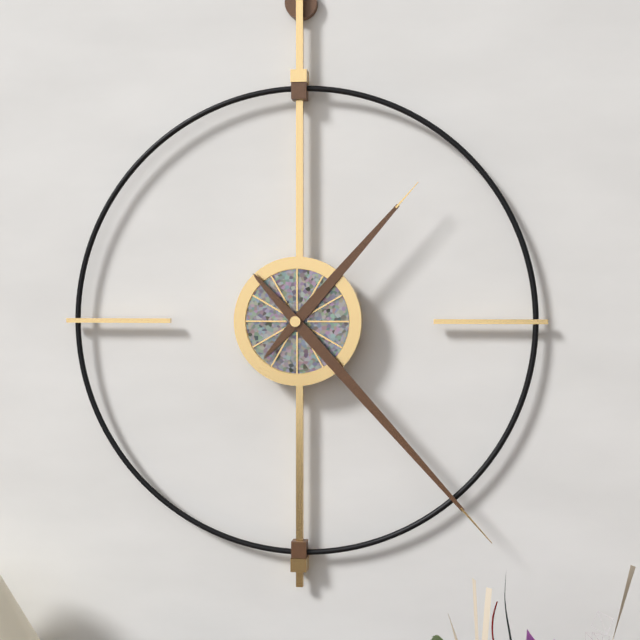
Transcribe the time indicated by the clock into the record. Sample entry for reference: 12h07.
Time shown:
1h23
